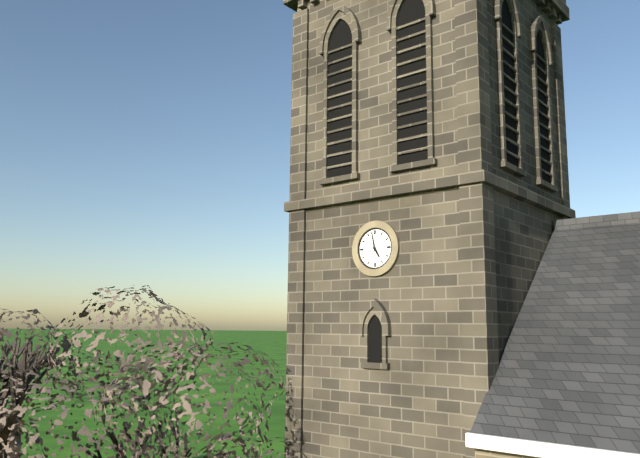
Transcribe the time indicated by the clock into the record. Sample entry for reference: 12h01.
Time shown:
4h58
